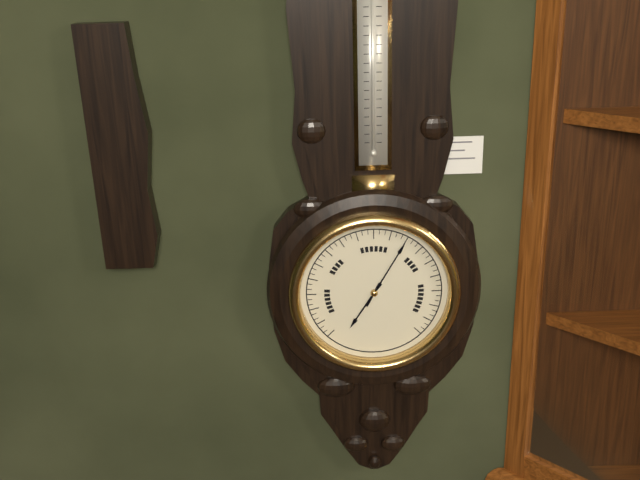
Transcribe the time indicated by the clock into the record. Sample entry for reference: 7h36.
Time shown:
7h05
